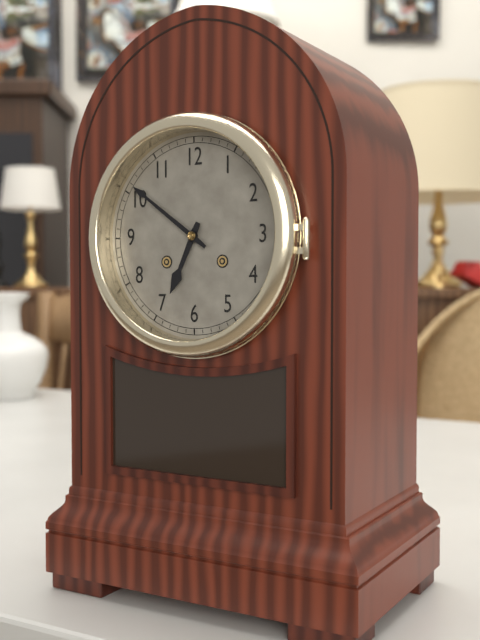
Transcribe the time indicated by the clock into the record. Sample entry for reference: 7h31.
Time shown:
6h51
